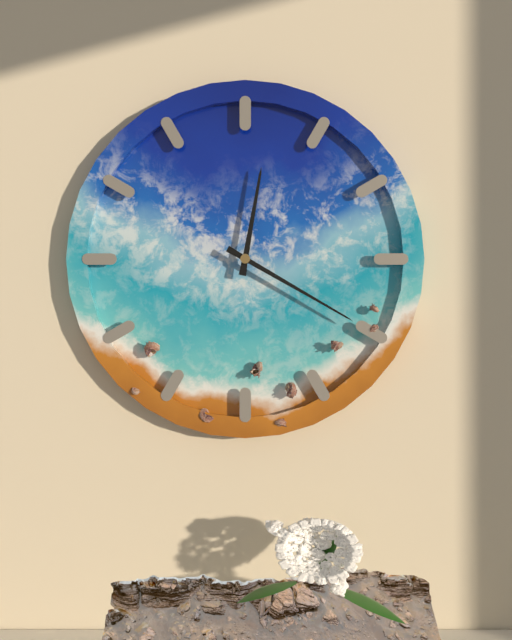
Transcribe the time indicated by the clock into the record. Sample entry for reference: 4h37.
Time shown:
12h20
